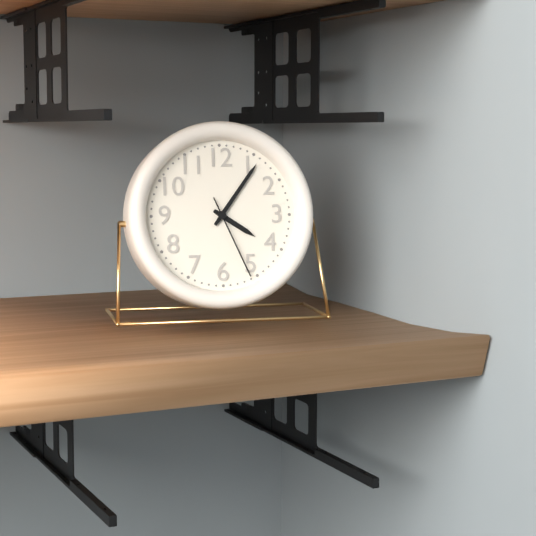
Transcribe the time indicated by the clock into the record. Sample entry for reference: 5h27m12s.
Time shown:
4h06m26s
